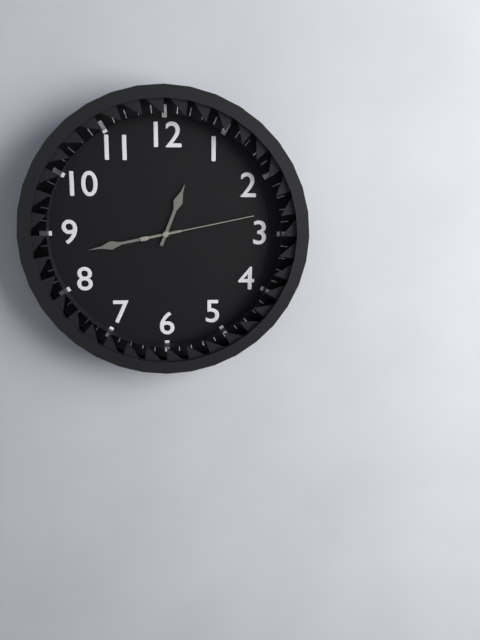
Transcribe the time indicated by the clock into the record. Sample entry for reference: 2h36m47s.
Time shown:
12h43m13s
